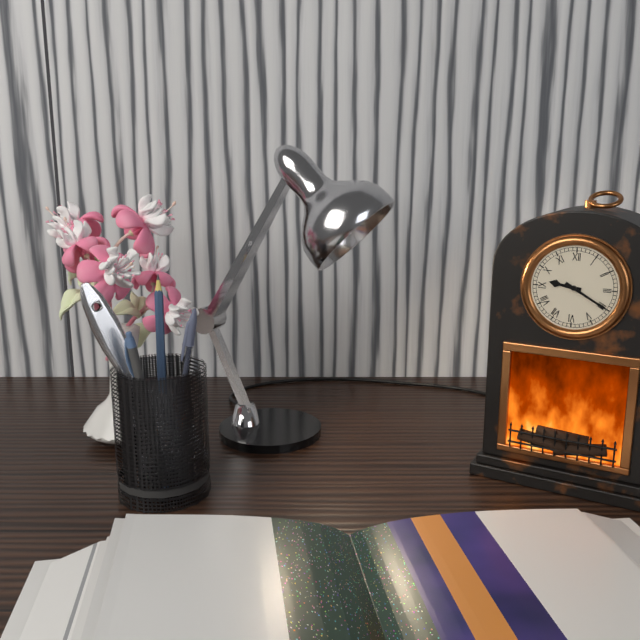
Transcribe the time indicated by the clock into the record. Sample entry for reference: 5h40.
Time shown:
9h20
